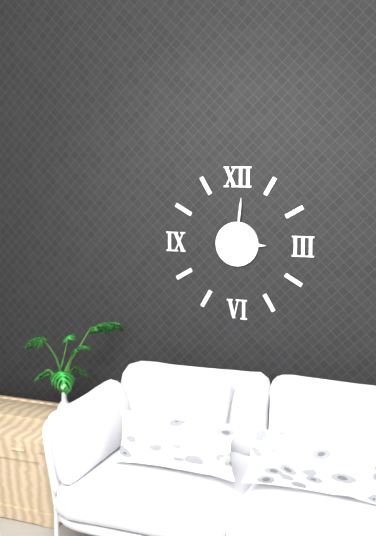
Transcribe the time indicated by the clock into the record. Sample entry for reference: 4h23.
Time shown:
3h01
